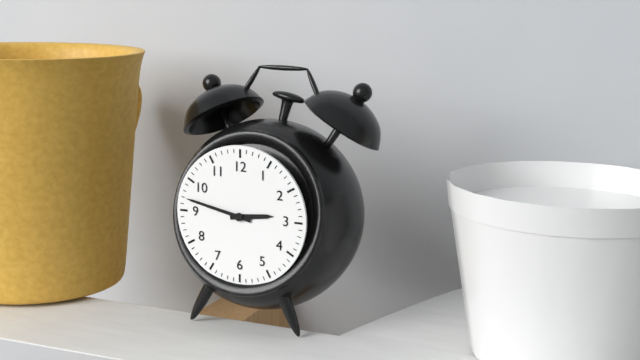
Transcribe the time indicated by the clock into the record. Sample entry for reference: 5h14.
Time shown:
2h47
